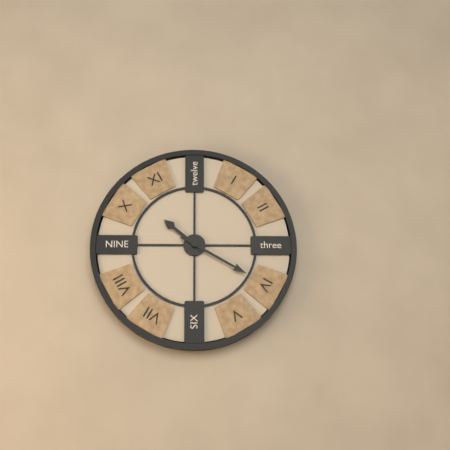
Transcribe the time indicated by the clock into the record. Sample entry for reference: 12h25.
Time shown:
10h20
